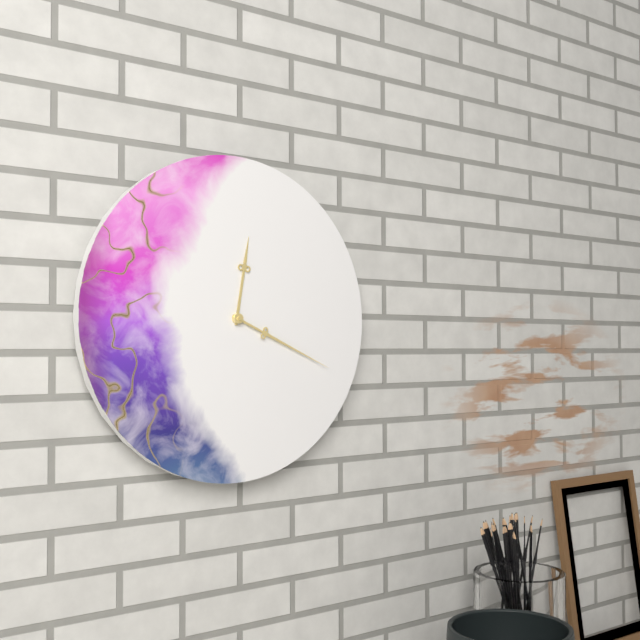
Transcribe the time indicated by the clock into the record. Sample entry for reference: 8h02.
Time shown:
12h19
